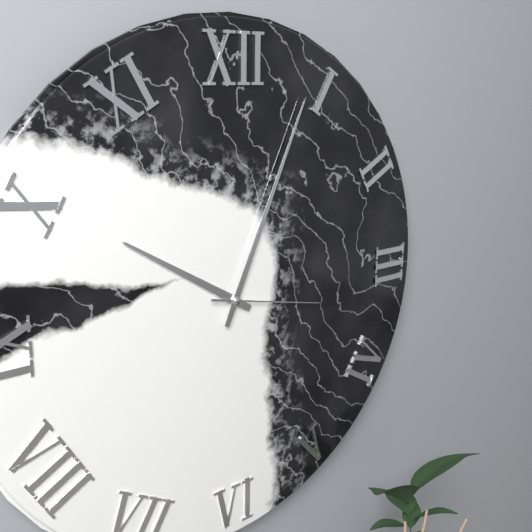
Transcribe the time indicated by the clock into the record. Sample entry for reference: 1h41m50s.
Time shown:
10h04m17s
